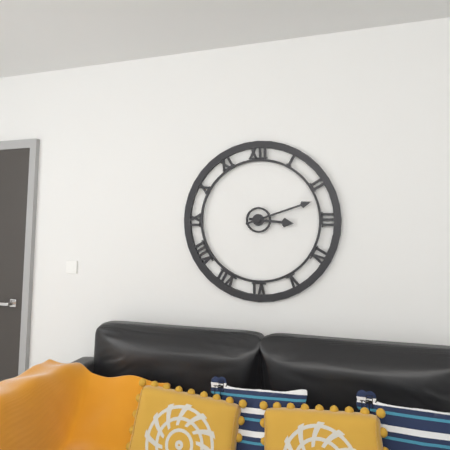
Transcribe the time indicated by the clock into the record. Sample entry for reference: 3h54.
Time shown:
3h12
